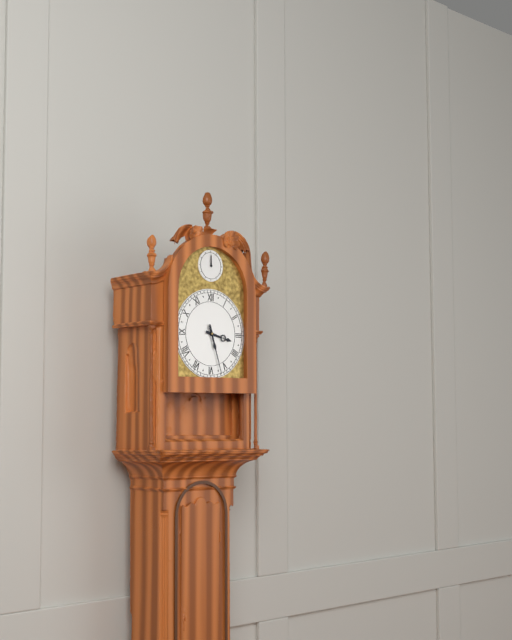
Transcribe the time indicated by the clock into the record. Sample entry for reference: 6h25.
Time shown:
3h27
